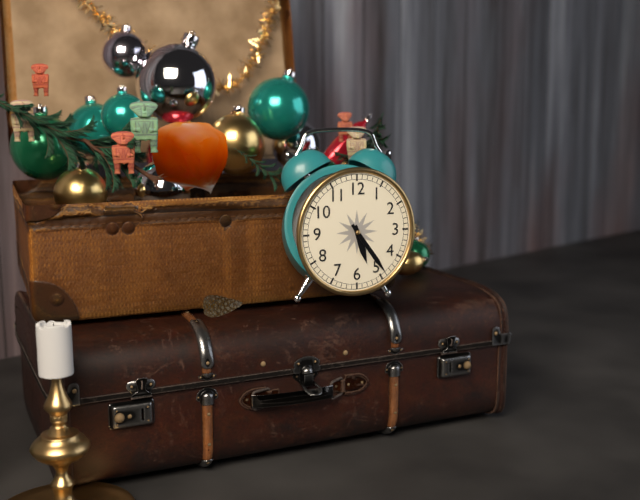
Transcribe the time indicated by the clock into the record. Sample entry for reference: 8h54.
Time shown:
5h24
